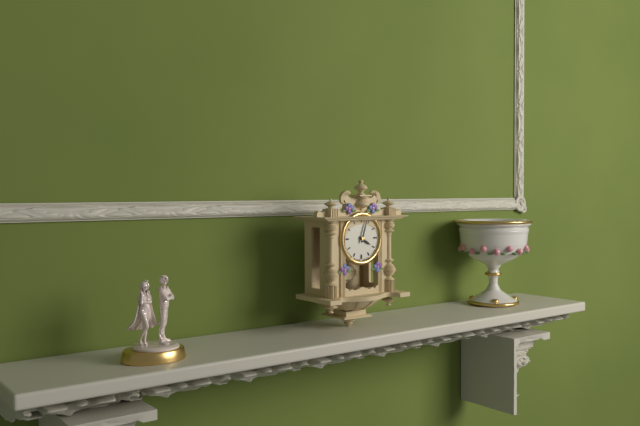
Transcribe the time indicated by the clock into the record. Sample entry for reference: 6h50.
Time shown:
4h03
